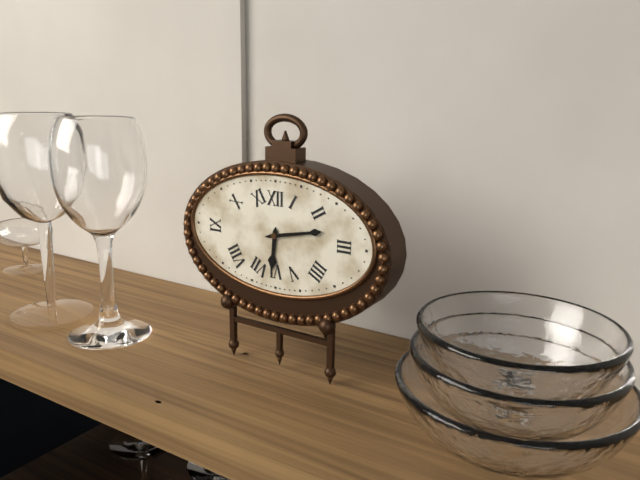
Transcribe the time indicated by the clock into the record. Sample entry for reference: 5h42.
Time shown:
6h13
